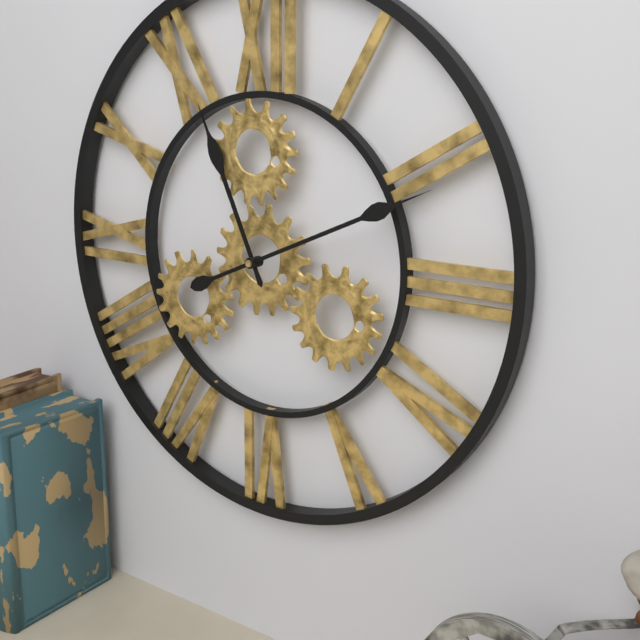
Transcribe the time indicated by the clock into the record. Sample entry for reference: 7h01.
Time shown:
11h11
